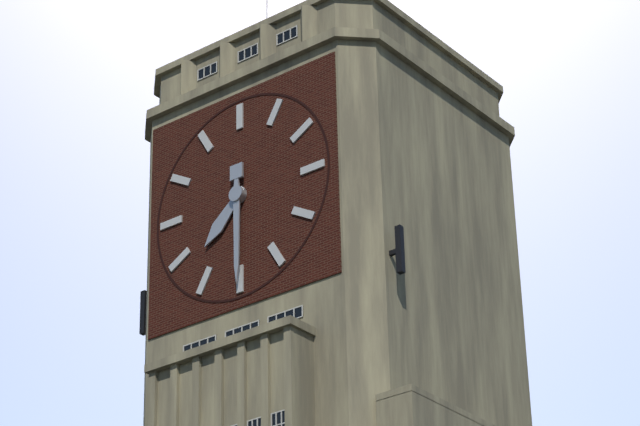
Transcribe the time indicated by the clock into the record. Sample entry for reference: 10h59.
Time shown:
7h30
